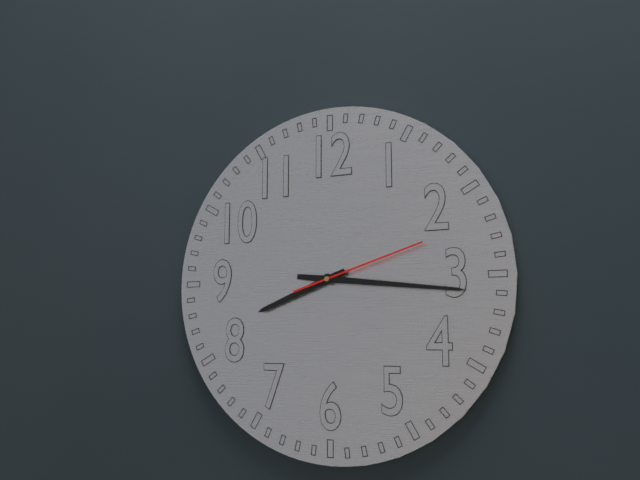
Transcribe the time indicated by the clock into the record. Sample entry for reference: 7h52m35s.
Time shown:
8h16m12s
